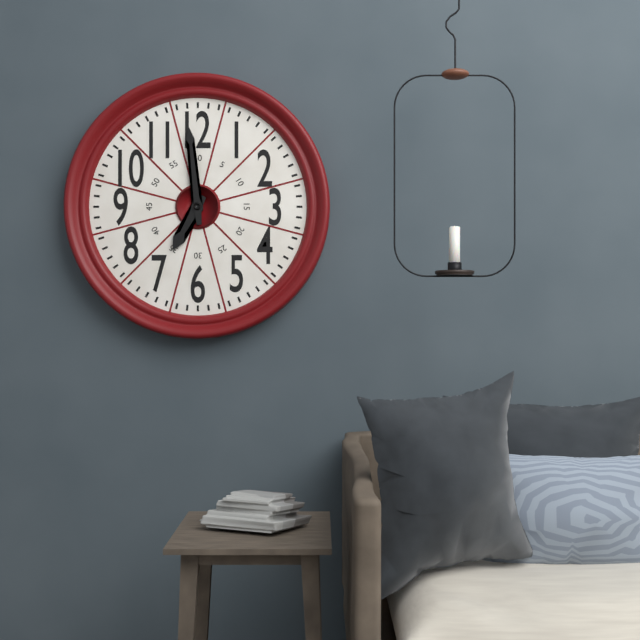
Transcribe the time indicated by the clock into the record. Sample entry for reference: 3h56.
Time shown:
6h59
